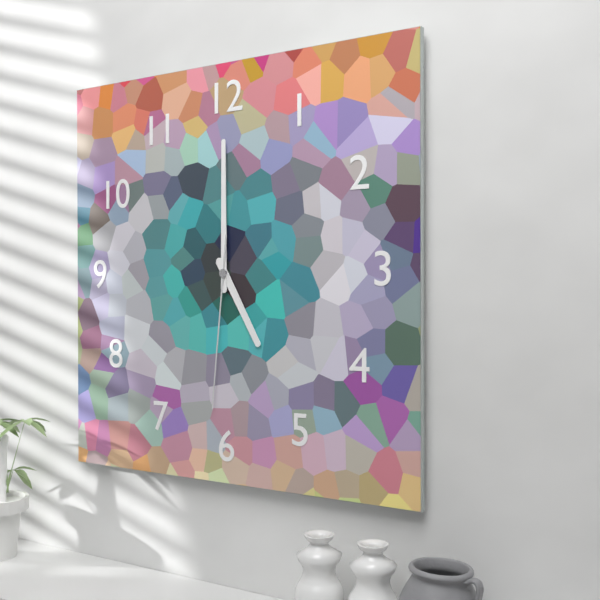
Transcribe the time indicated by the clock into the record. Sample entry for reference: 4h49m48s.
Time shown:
5h00m31s
